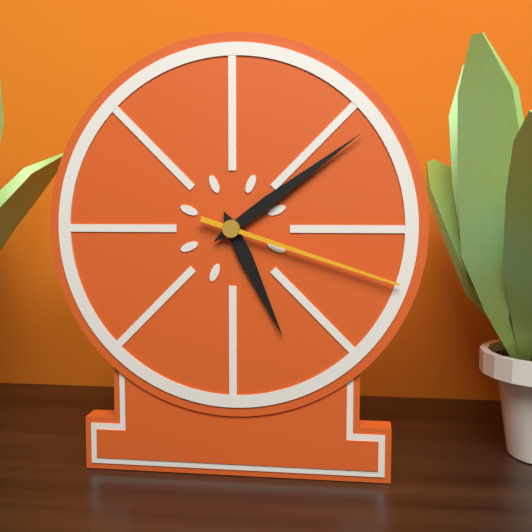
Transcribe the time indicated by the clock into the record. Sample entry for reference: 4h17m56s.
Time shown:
5h09m18s
